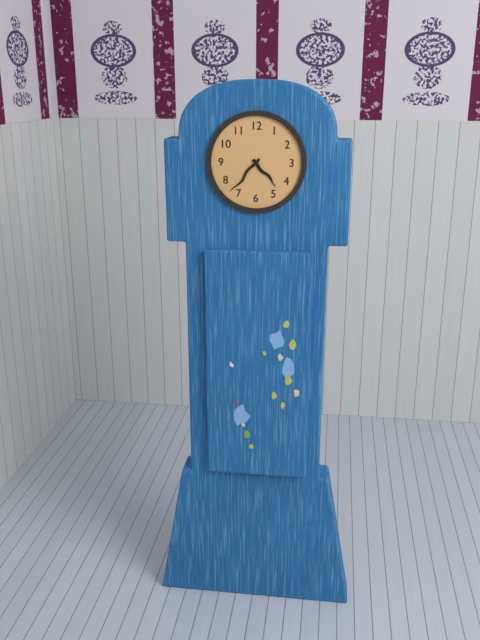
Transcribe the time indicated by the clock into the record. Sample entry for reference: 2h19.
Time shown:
4h37
